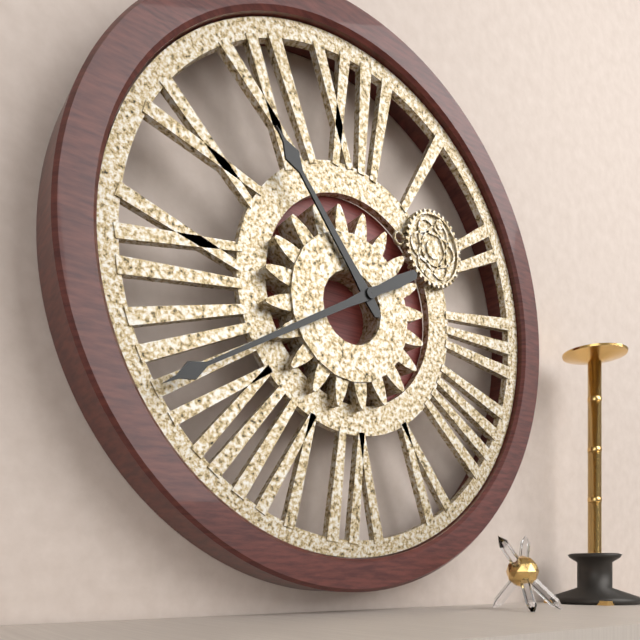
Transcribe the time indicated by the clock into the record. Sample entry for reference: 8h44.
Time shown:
10h40
